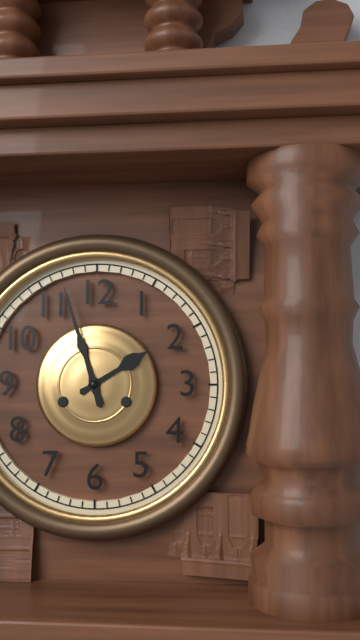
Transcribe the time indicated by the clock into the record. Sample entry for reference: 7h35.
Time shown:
1h57
